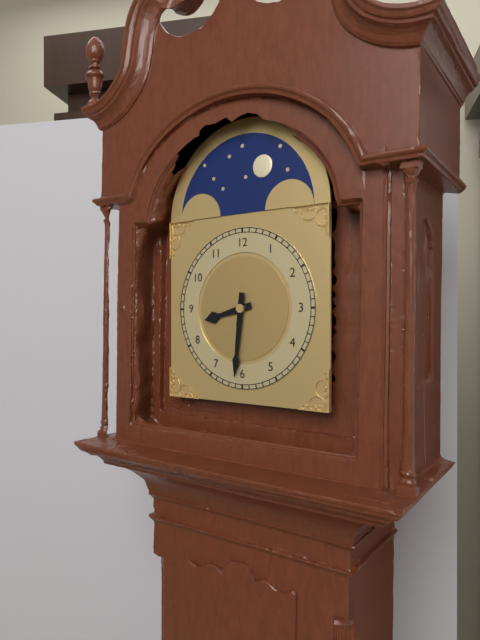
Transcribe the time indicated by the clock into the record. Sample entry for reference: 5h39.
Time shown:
8h31
